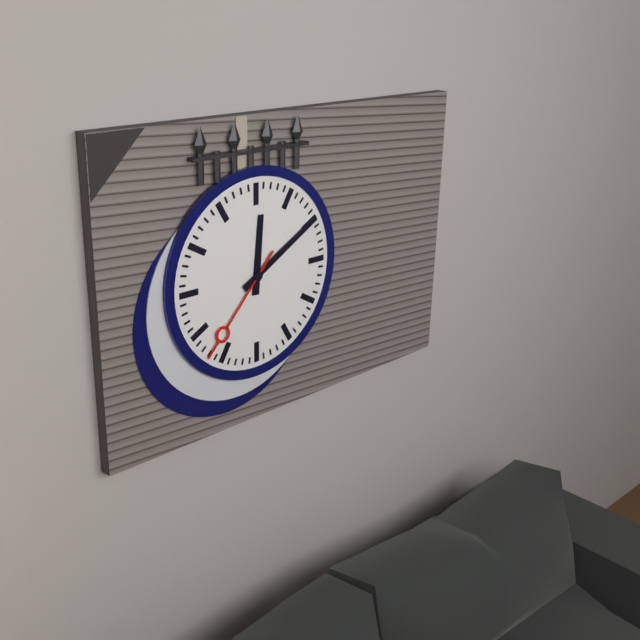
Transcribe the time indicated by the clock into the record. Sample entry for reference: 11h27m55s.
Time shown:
12h10m37s
